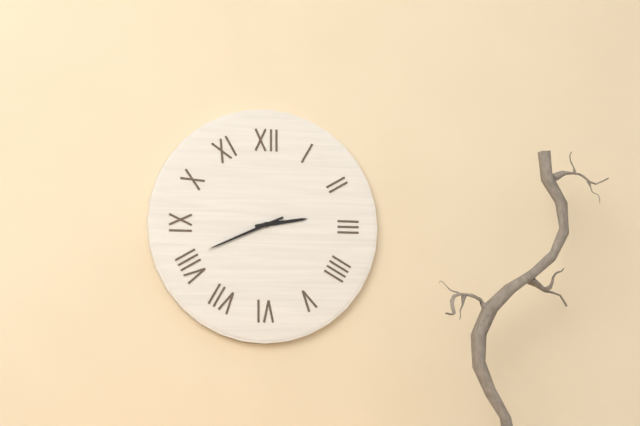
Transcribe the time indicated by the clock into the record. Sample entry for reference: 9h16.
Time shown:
2h41
